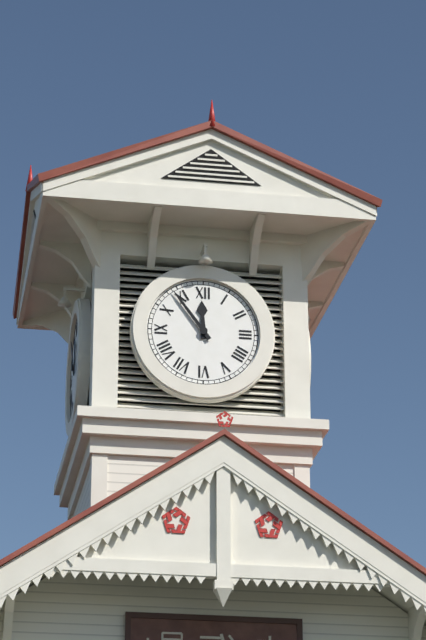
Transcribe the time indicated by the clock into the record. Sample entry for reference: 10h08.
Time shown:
11h54
